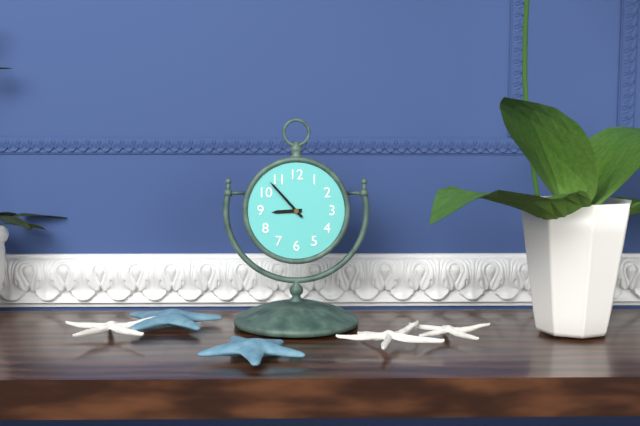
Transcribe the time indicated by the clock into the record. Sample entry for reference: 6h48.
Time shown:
8h53
